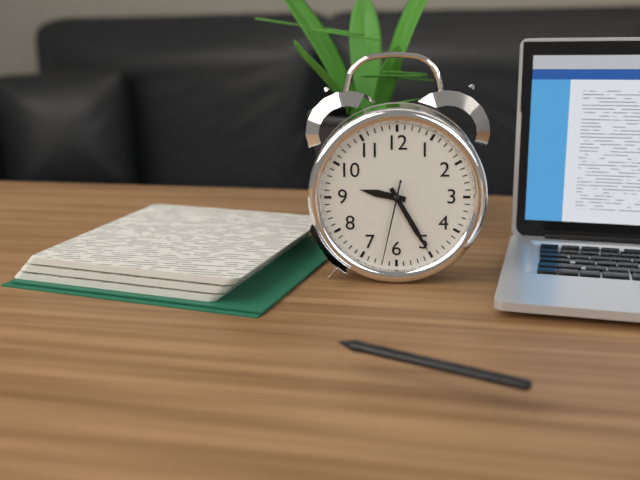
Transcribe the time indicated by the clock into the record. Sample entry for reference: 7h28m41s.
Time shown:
9h25m32s
